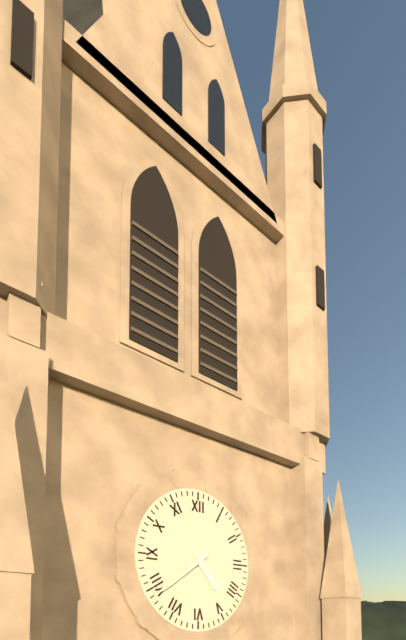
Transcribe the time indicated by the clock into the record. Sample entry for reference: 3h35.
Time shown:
4h39
